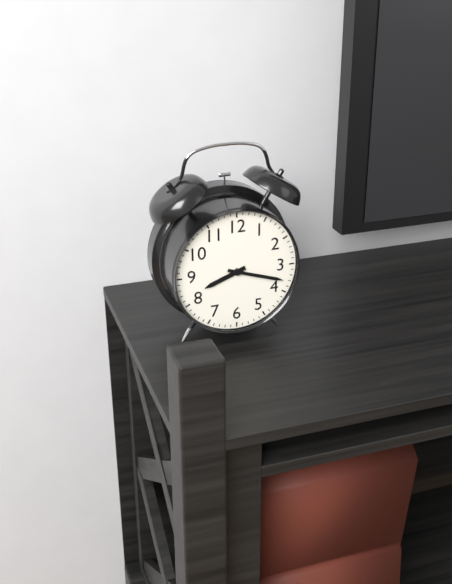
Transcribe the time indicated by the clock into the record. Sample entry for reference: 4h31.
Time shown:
8h18
